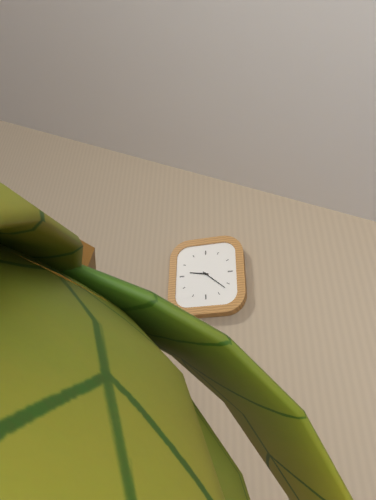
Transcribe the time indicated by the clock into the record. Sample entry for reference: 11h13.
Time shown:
9h22
